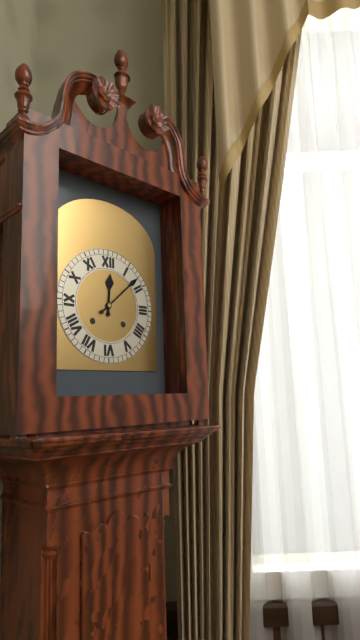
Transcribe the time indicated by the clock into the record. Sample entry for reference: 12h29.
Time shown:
12h08
